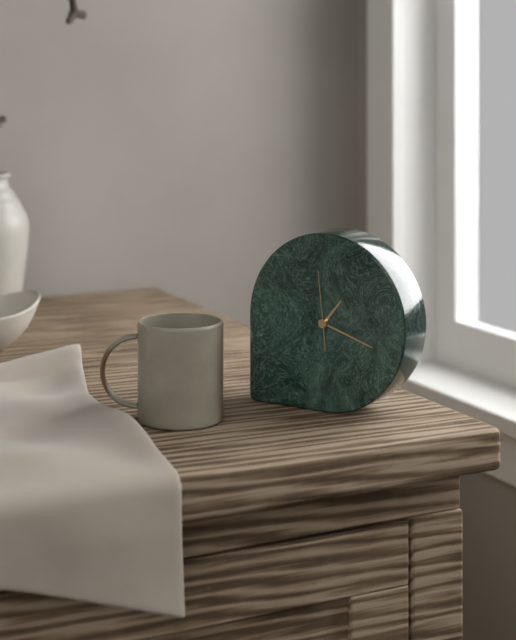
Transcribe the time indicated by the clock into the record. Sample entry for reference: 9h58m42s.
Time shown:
1h18m59s
